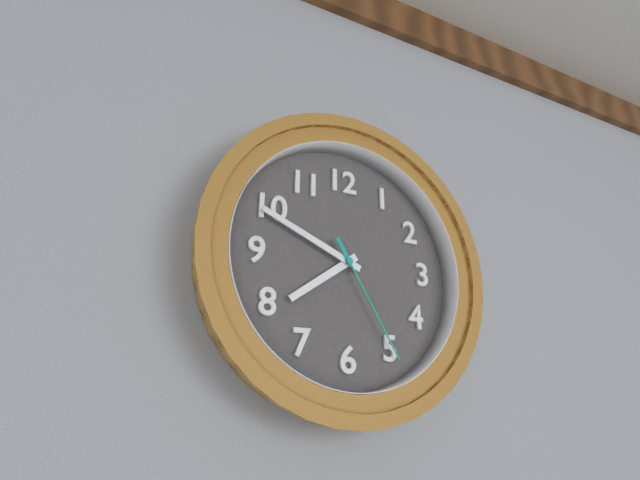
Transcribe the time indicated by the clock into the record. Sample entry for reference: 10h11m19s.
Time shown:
7h49m25s
